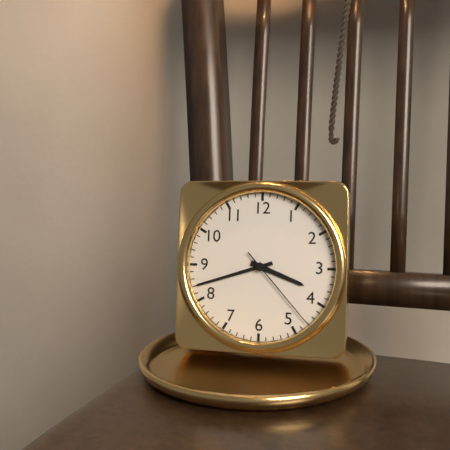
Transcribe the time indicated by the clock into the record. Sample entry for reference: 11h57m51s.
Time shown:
3h42m23s
